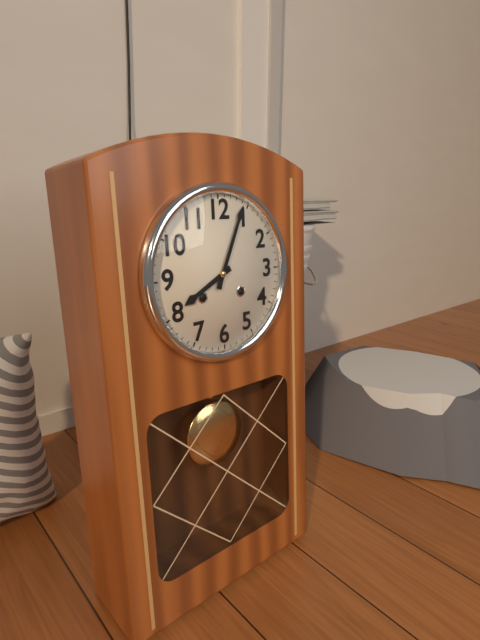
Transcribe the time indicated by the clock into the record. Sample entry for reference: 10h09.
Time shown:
8h04
